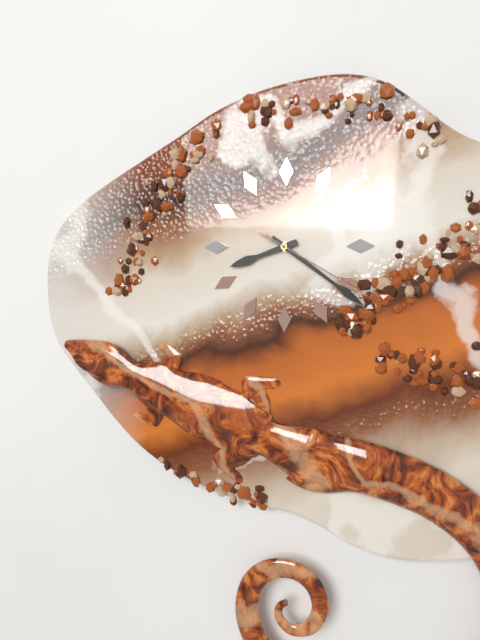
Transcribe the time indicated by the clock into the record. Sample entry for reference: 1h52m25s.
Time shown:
8h21m20s
